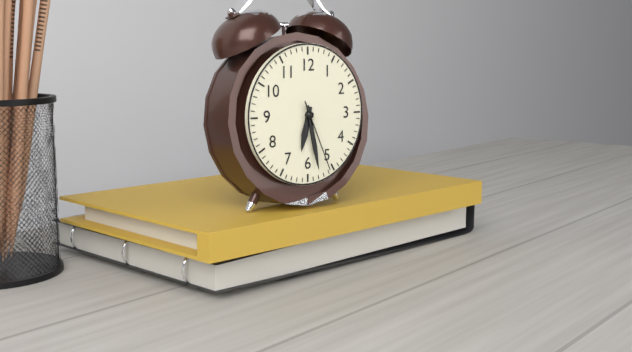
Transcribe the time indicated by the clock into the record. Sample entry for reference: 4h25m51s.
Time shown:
6h28m26s
